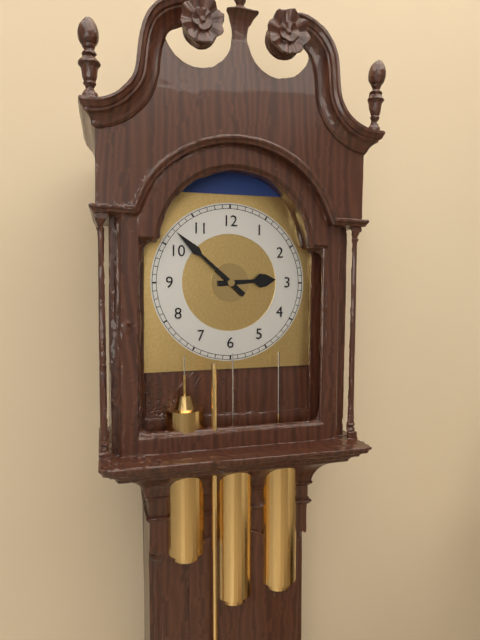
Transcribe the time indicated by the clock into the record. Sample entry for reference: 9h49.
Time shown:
2h52
